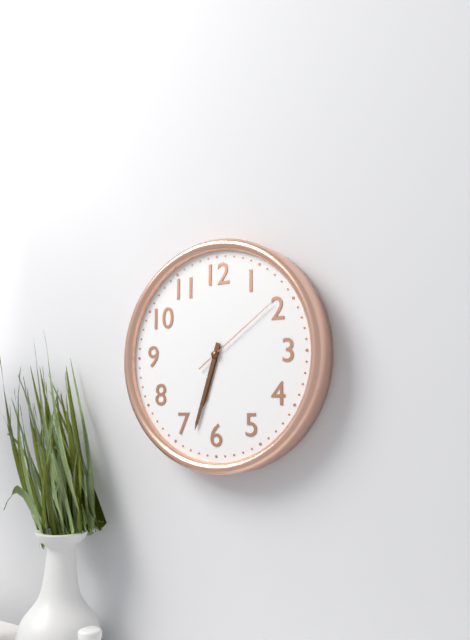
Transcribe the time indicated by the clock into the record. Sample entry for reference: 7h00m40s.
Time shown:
6h33m09s
